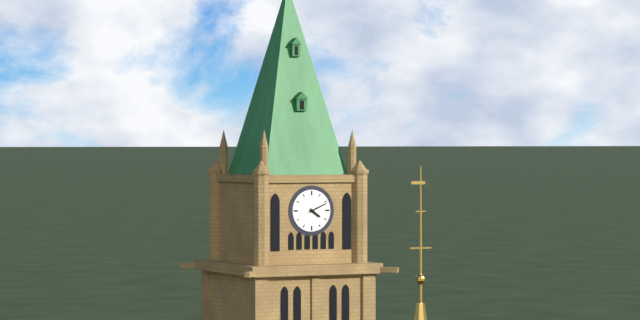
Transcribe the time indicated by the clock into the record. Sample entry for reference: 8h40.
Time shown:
4h11
